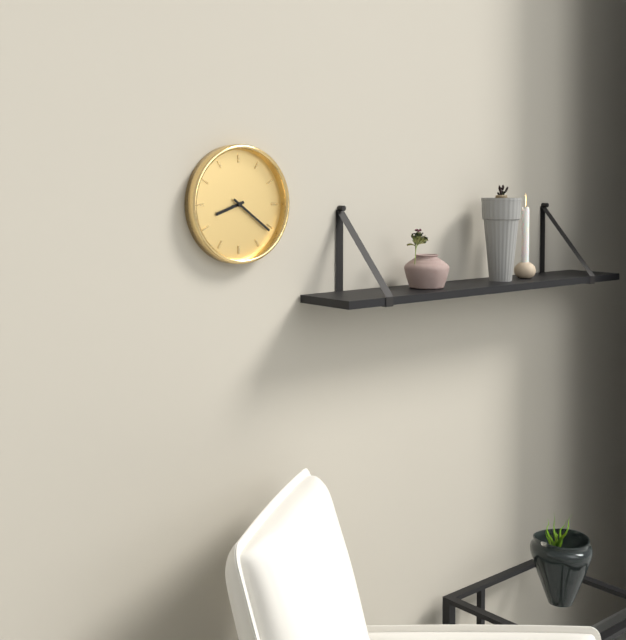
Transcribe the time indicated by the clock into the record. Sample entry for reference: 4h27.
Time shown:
8h21
